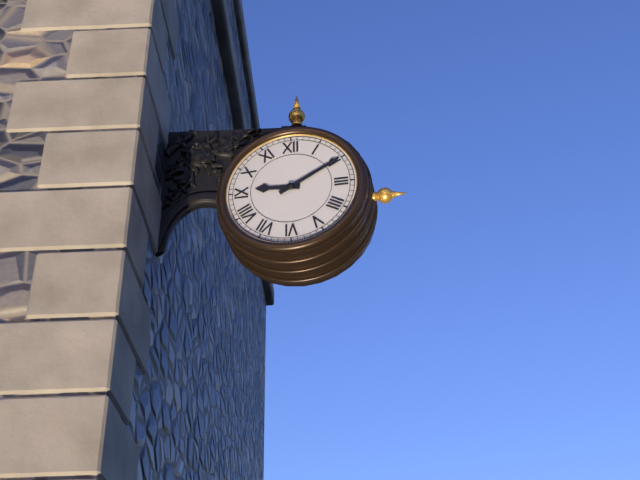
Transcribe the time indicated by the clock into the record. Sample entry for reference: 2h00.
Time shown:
9h10
